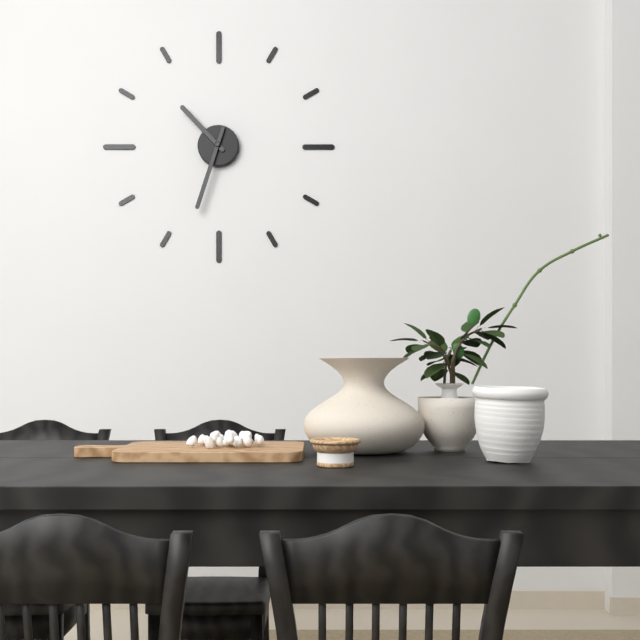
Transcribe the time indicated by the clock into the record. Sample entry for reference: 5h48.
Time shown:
10h33
